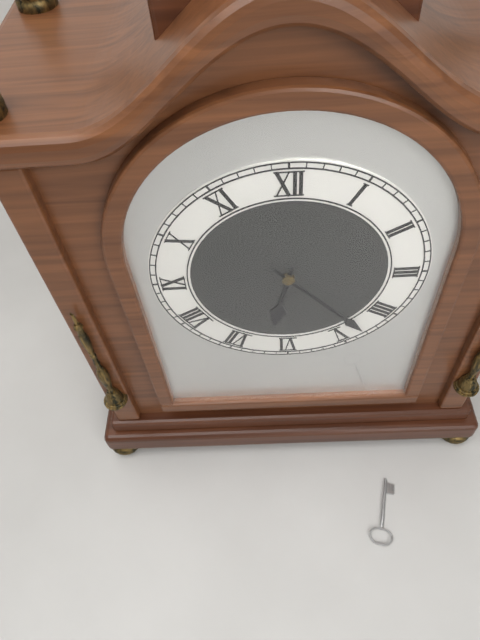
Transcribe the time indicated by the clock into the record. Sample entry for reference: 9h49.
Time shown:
6h23
